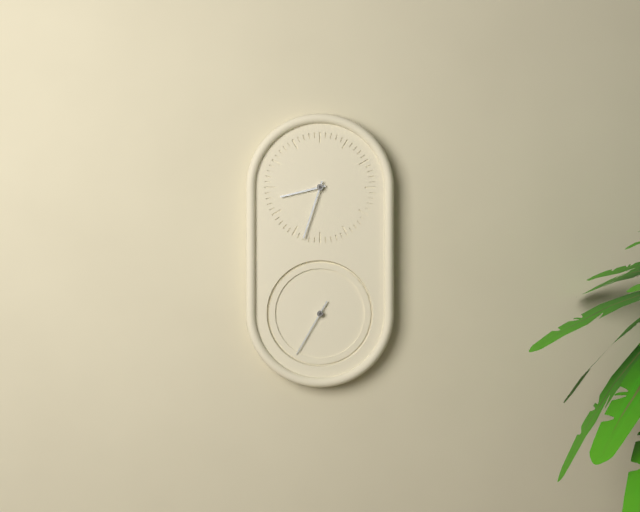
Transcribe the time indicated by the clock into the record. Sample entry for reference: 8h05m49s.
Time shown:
8h33m35s
